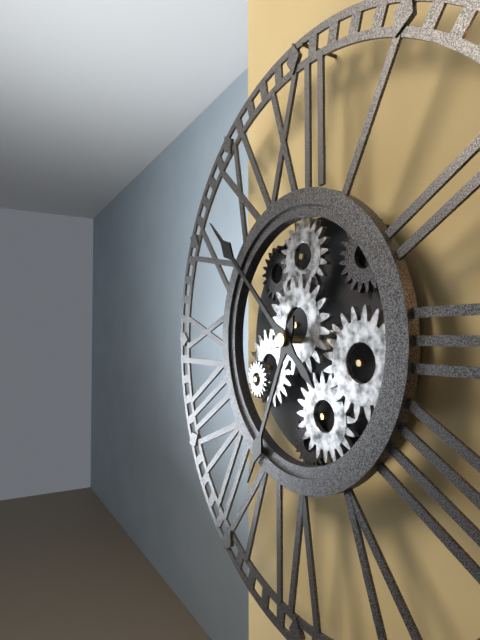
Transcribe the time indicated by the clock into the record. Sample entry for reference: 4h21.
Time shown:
6h52
